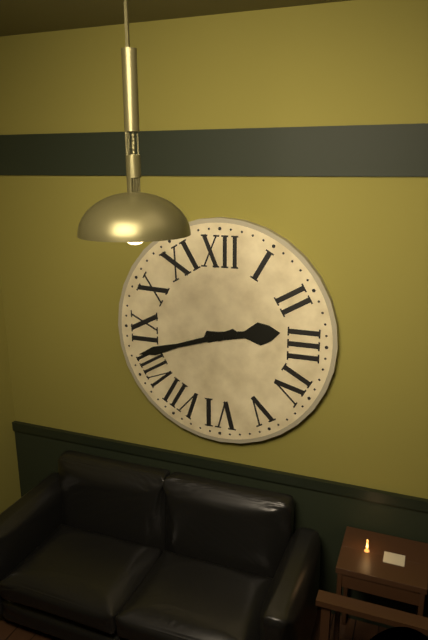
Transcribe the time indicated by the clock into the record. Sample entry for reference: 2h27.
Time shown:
2h42
